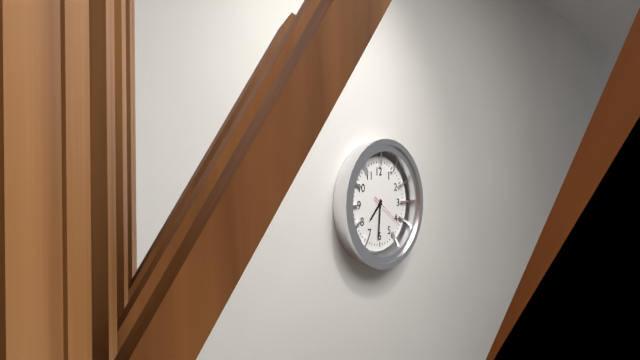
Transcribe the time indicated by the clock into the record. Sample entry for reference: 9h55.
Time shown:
7h31
